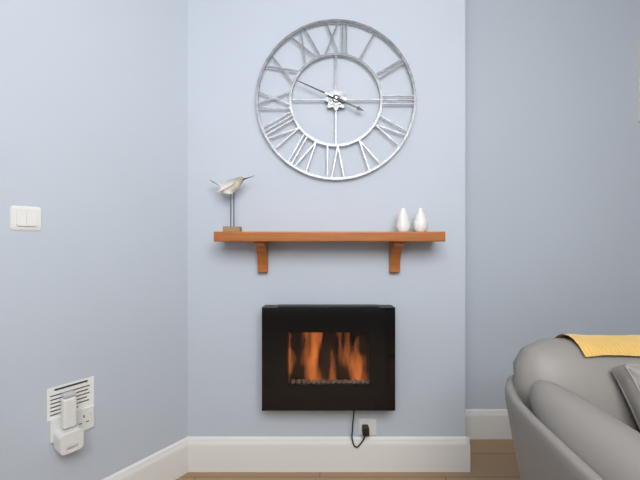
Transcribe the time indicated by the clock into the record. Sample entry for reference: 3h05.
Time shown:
3h49
